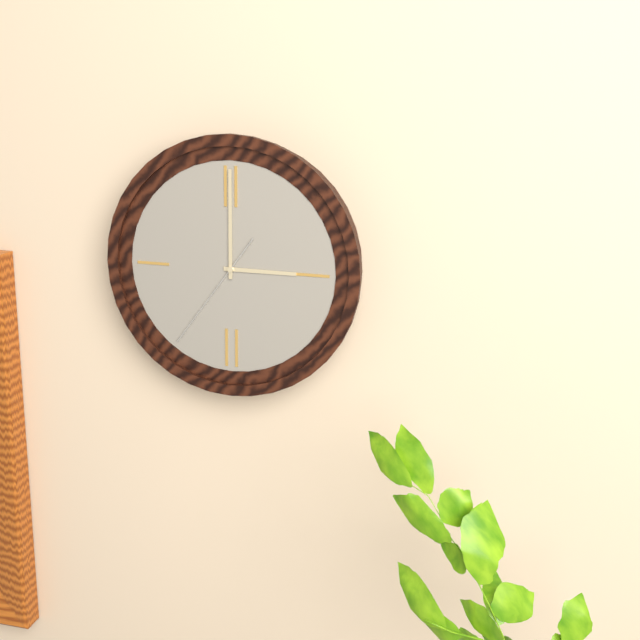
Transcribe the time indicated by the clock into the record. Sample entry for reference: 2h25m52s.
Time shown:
3h00m36s
